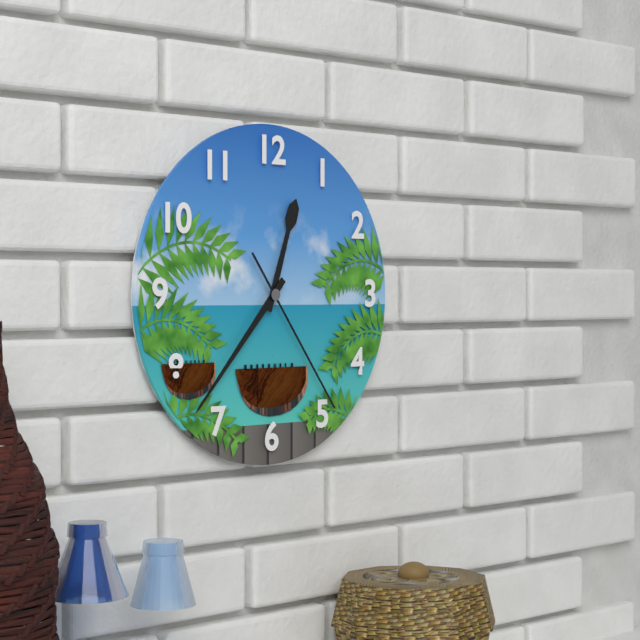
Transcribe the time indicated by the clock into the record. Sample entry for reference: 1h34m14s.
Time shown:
12h37m24s
